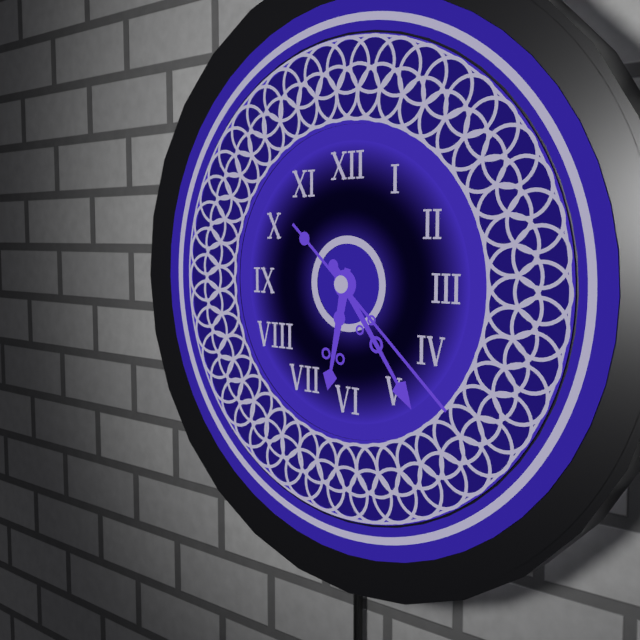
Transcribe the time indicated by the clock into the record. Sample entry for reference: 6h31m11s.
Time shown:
6h24m22s
